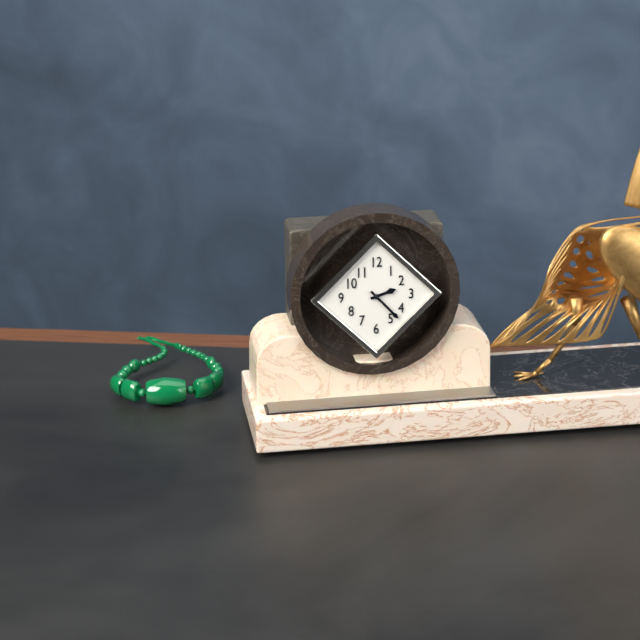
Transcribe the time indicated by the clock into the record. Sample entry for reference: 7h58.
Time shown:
2h23
